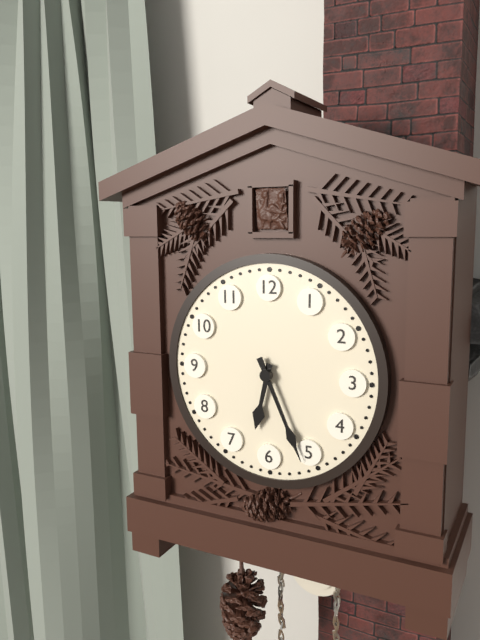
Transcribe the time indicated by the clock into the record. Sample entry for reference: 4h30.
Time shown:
6h26
